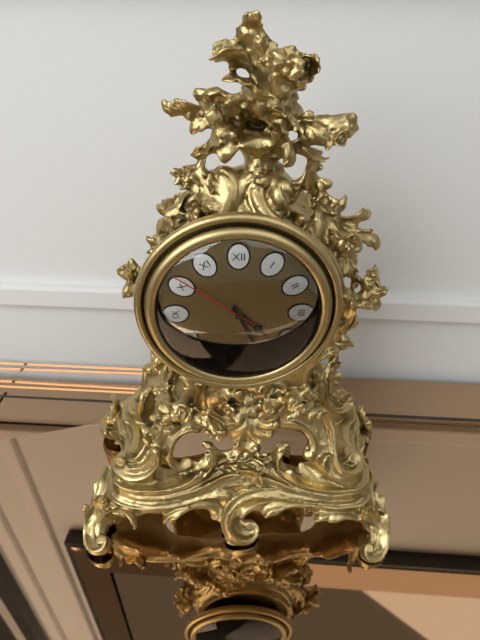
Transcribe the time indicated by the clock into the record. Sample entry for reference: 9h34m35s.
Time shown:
4h26m51s
